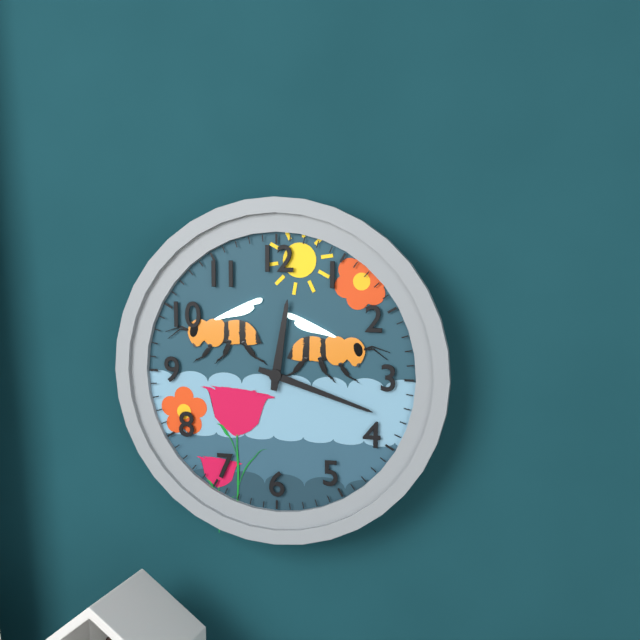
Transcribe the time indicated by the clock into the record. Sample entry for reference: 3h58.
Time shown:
12h18
